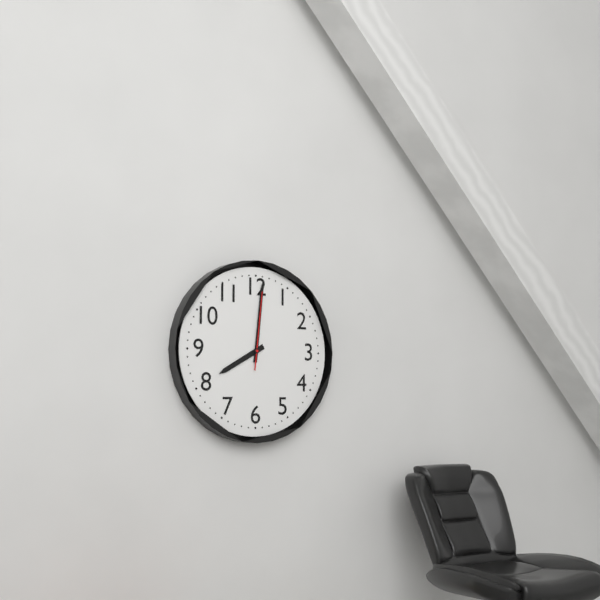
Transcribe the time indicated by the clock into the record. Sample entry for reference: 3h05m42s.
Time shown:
8h01m01s
